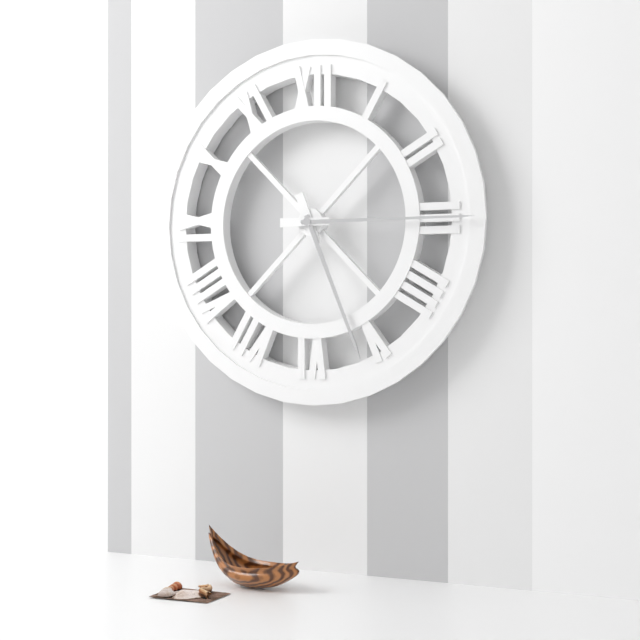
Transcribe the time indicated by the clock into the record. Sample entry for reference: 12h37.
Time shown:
5h15
